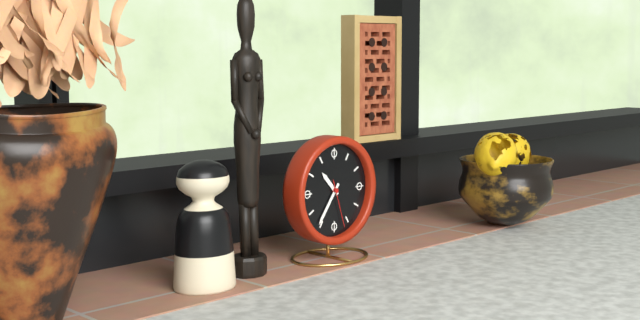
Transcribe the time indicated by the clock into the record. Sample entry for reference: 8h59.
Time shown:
10h36
